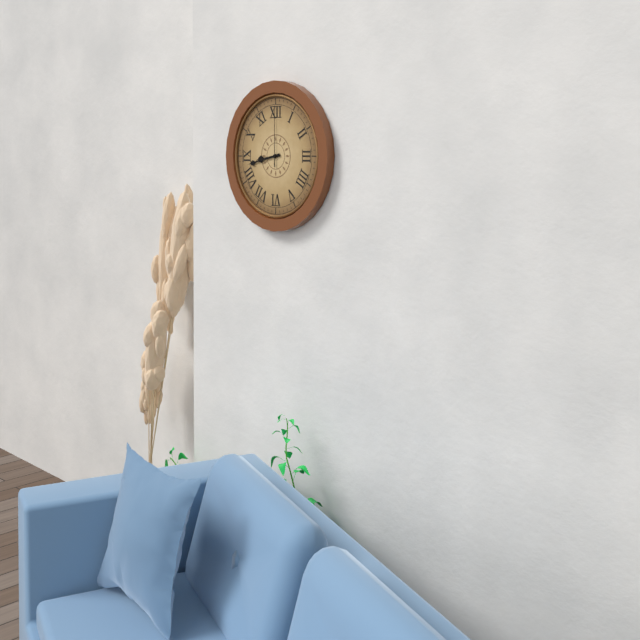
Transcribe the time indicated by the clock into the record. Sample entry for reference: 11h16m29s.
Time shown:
8h43m00s
